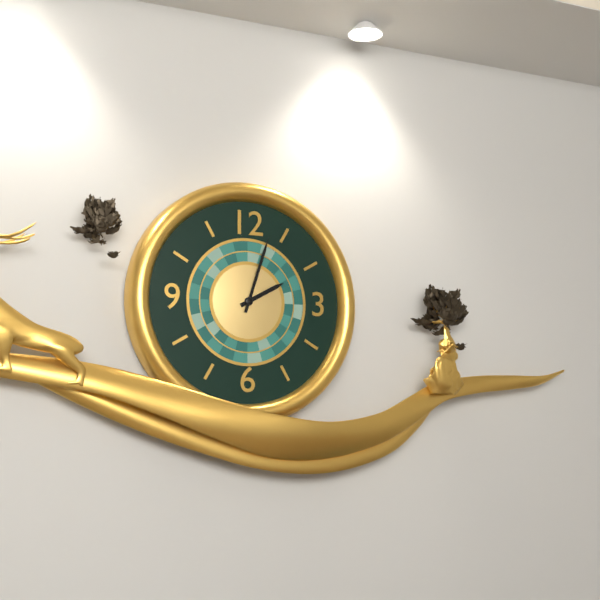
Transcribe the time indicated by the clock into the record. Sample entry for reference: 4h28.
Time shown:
2h03
